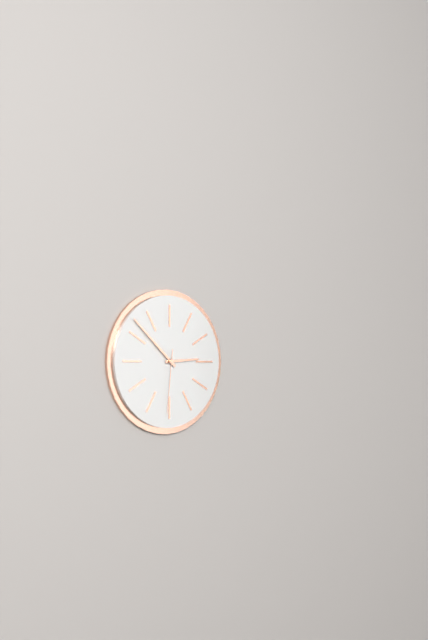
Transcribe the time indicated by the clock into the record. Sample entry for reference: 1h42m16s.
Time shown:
2h52m31s
